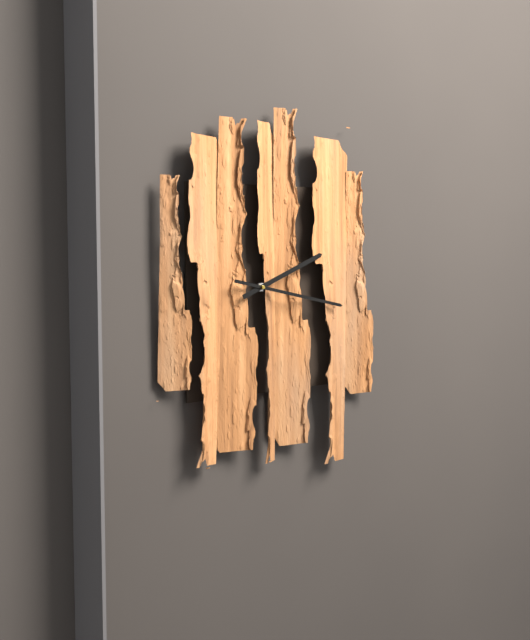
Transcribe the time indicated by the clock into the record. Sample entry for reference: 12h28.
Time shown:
2h17
